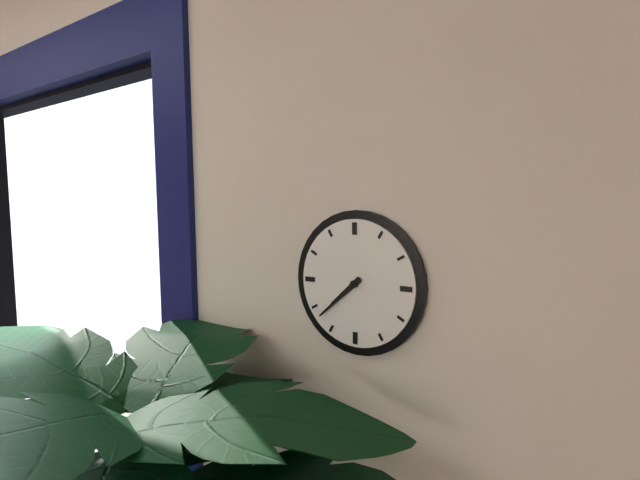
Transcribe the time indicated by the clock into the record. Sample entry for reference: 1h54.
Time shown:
7h38
